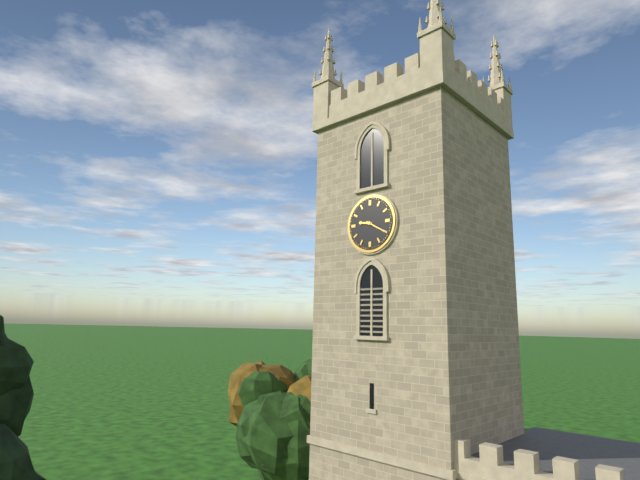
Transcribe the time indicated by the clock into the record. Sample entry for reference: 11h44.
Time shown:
9h20
